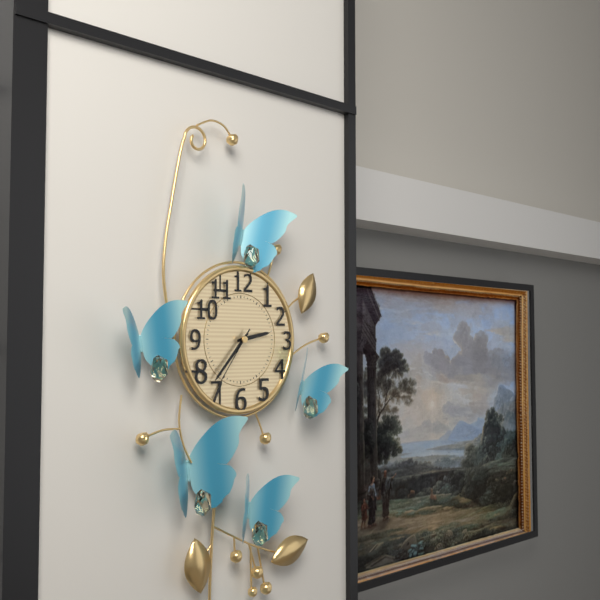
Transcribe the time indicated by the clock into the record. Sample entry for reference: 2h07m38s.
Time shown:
2h37m36s
